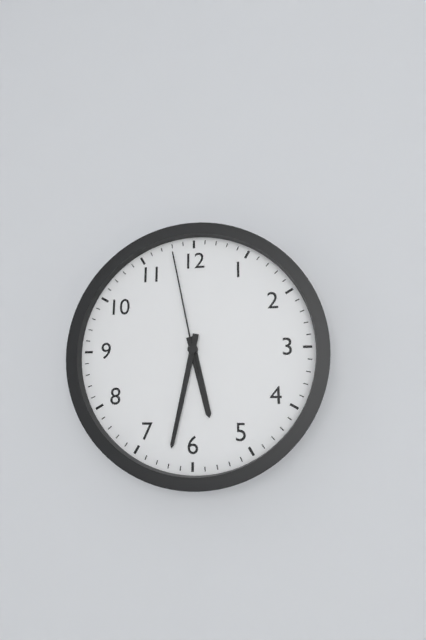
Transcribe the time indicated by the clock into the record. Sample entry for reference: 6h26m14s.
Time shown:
5h32m58s
